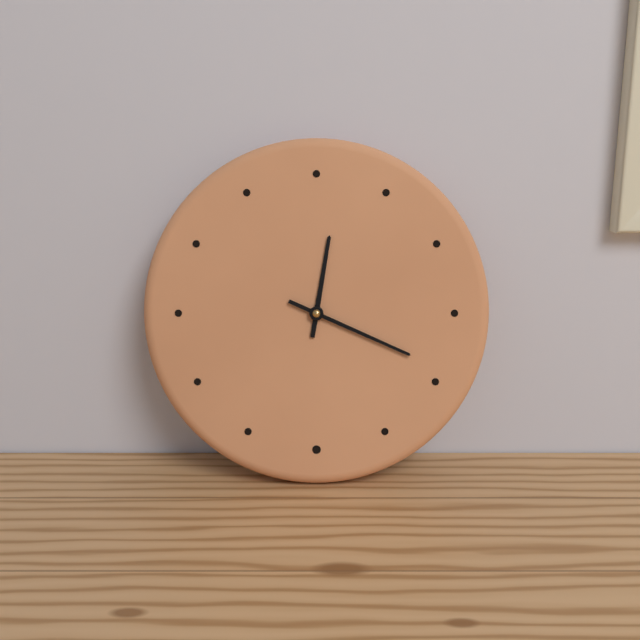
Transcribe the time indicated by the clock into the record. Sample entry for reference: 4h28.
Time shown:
12h19
